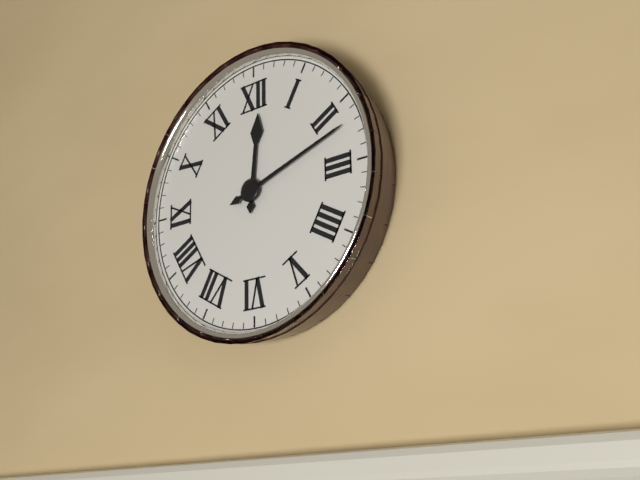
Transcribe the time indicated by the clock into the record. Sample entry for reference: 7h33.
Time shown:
12h12
